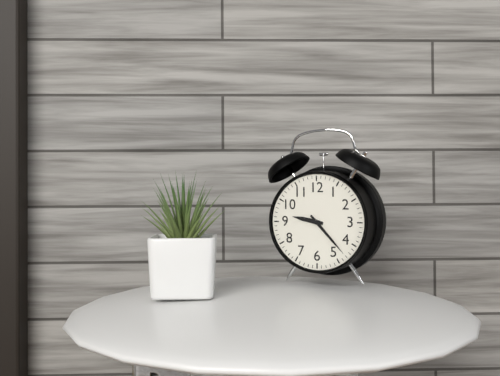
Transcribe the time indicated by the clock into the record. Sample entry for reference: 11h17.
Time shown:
9h23
